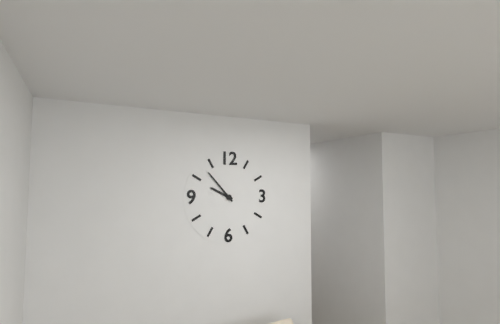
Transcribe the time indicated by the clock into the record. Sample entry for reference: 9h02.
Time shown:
9h53
